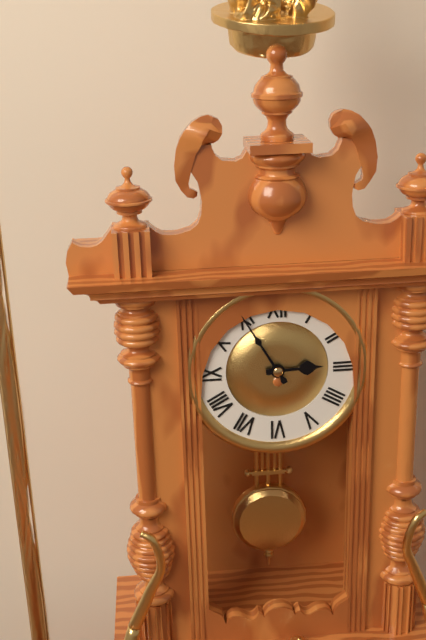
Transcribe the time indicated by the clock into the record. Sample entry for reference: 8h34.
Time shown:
2h55
